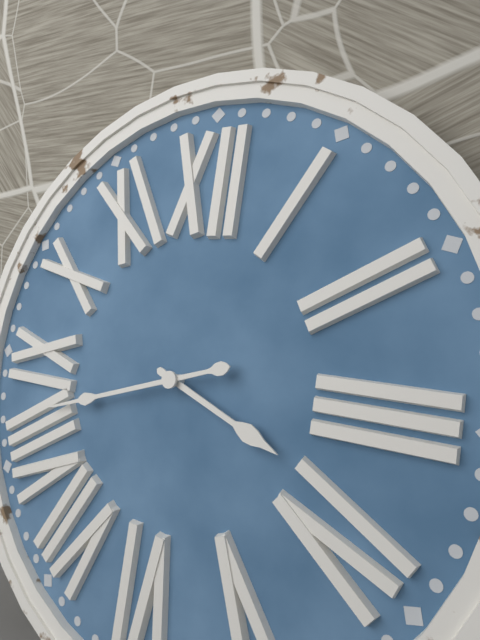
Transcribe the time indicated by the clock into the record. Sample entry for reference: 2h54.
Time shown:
3h42
